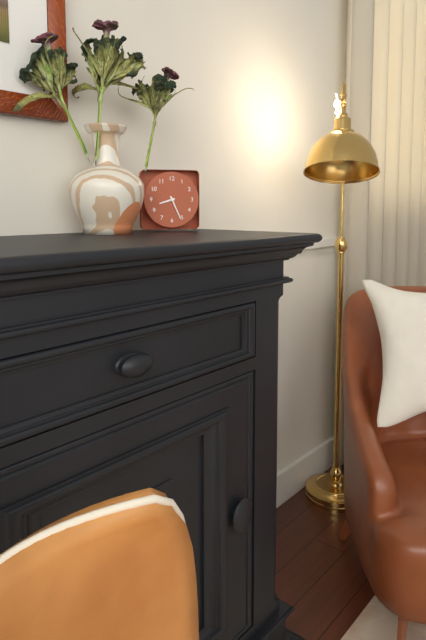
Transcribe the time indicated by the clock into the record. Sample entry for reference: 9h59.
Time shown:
8h26
